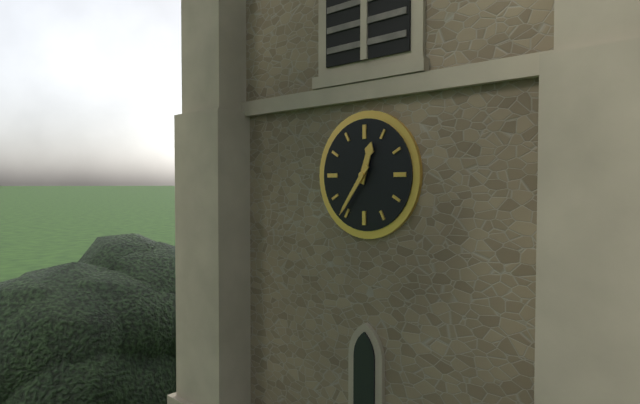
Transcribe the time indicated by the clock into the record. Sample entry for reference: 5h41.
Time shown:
12h36
